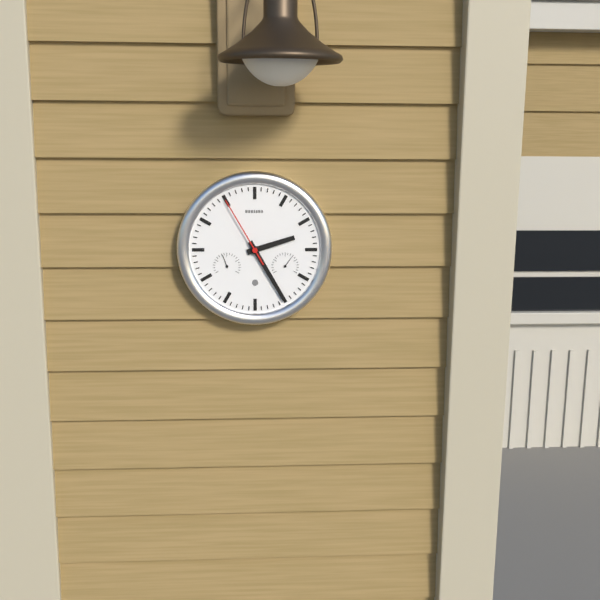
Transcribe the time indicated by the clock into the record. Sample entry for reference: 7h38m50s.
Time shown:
2h25m55s
